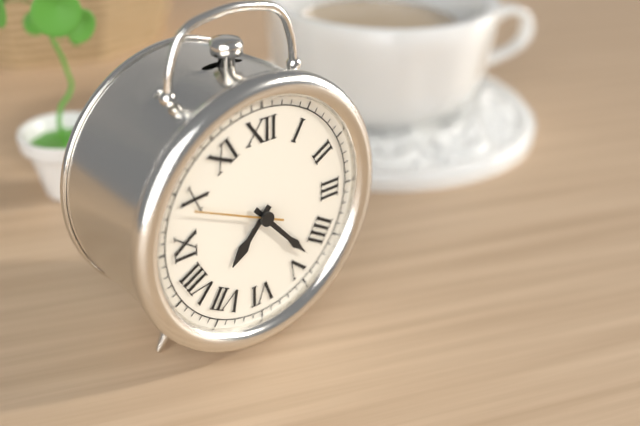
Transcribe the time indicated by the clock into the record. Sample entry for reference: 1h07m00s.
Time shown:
7h23m49s
